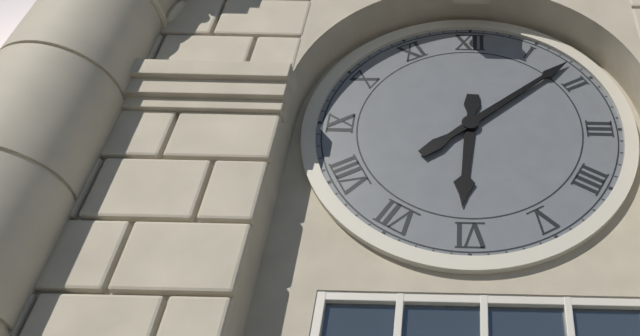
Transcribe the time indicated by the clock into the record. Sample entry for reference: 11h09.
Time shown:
6h08
